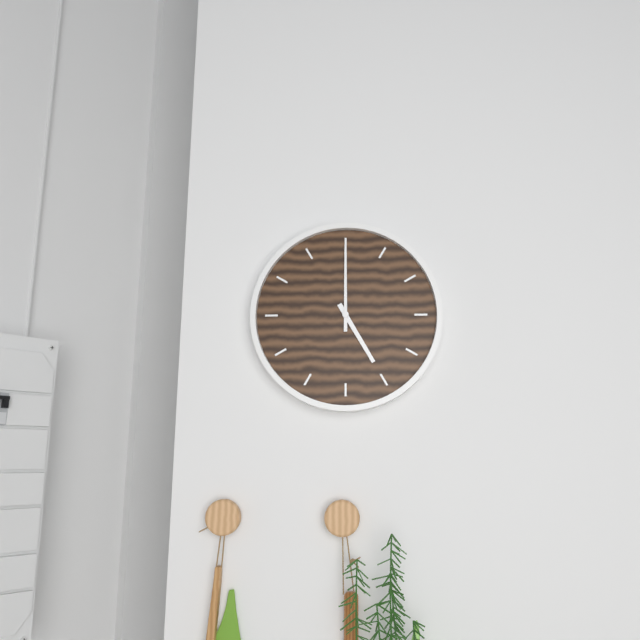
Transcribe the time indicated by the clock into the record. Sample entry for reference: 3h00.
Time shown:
5h00
